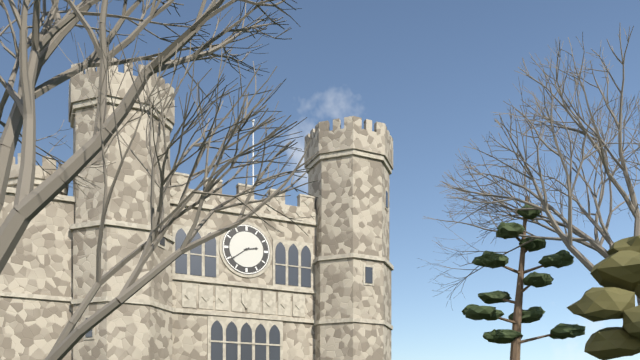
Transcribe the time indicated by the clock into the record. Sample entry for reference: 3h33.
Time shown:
2h39
